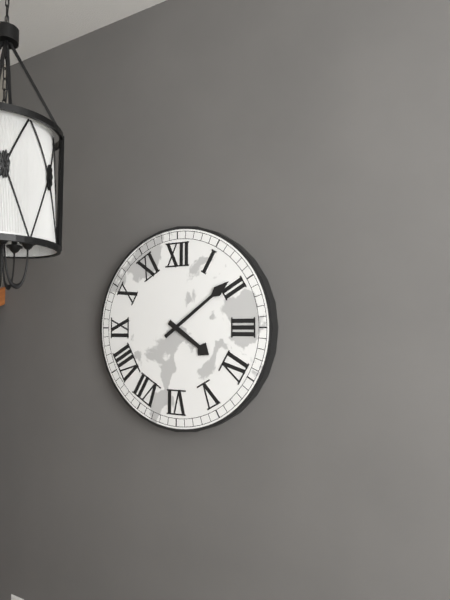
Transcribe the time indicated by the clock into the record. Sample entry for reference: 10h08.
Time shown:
4h09
